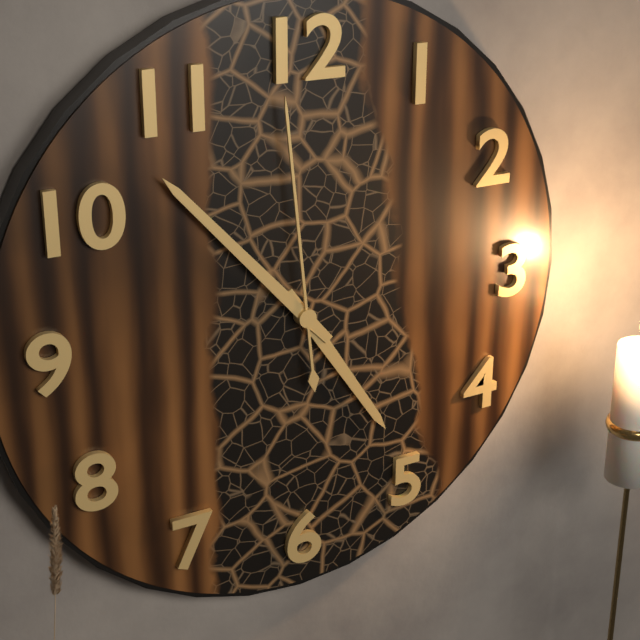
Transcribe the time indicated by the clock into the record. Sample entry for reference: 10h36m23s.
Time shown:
4h53m59s
